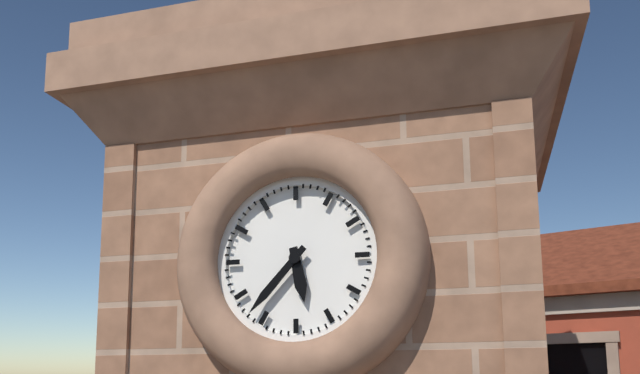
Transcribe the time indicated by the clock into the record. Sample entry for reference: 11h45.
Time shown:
5h37
